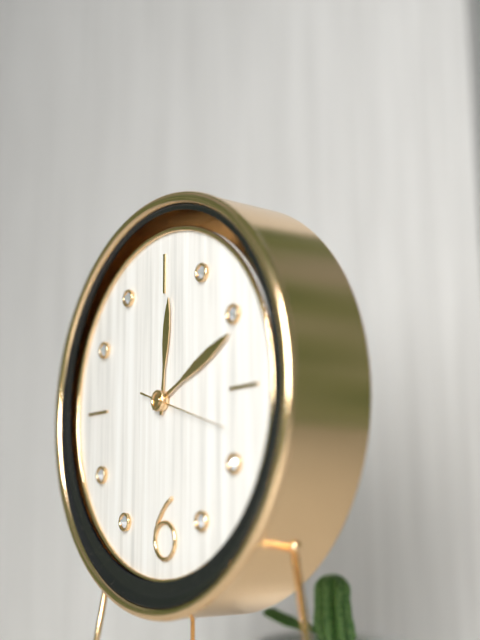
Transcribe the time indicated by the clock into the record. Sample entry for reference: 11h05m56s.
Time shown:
12h11m18s
